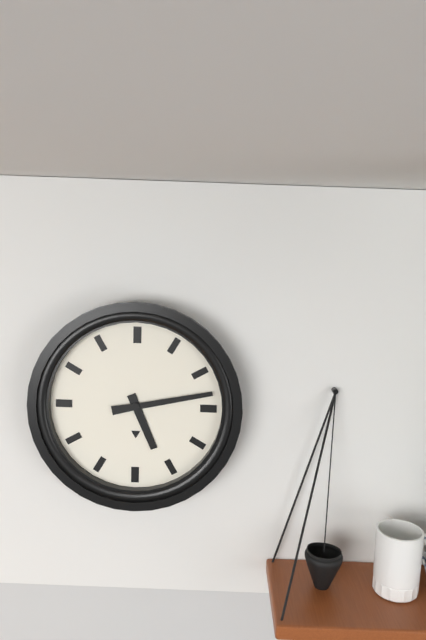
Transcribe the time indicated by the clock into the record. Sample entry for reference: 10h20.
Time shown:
5h13
